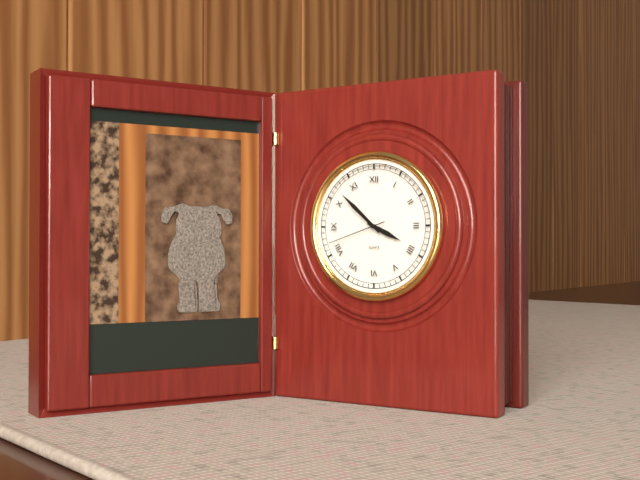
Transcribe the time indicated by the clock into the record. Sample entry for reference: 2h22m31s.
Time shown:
3h52m42s
